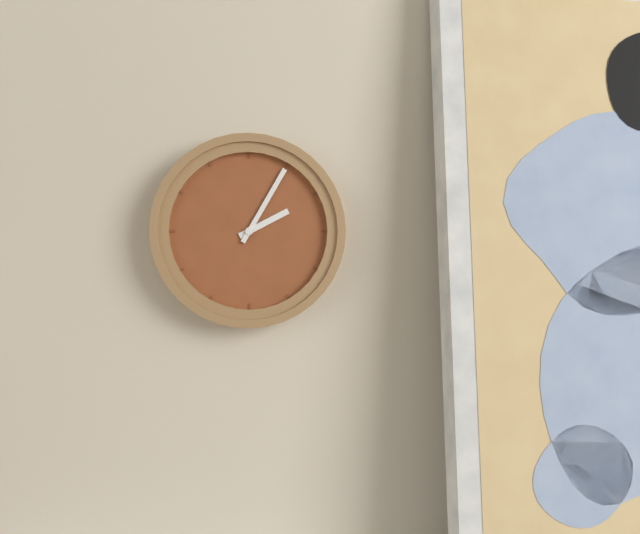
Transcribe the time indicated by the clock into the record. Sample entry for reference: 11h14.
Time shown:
2h05
